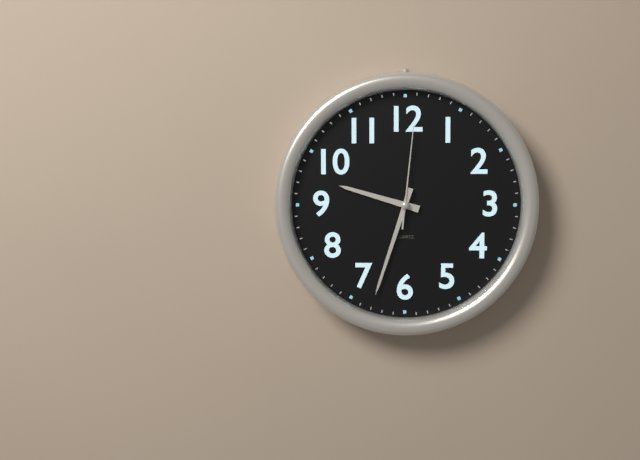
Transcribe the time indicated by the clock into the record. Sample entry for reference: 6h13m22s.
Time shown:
9h33m01s
